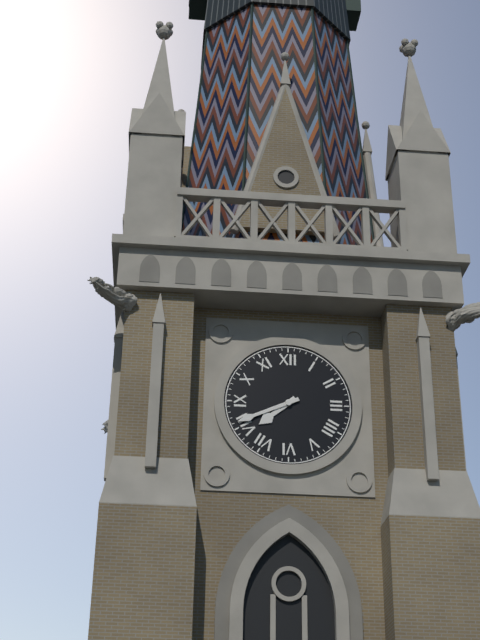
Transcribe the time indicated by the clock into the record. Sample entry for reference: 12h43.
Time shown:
7h41
